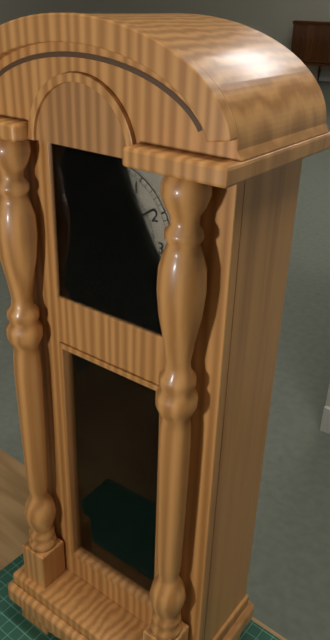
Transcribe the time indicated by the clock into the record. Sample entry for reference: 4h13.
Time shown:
11h09
